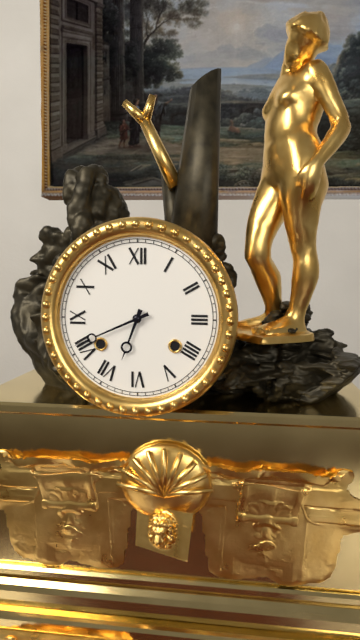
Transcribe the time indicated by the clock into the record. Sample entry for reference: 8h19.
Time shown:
6h41
